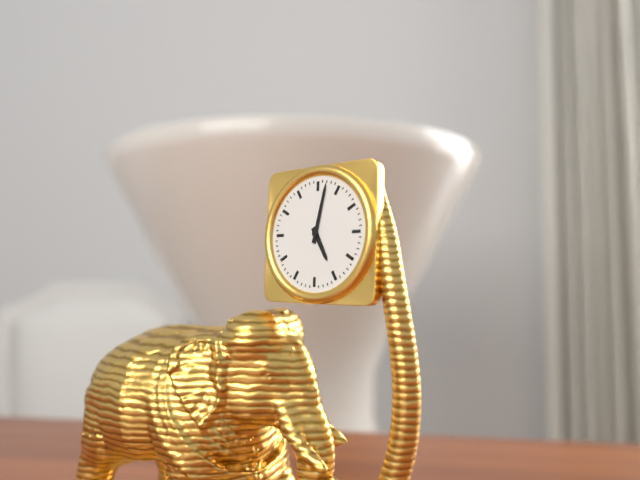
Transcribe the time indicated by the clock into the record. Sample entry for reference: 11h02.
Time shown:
5h02
